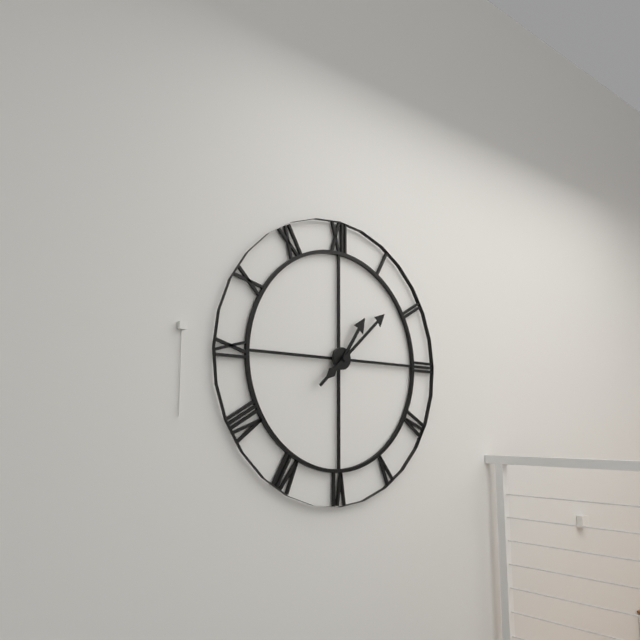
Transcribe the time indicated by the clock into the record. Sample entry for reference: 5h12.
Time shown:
1h08
